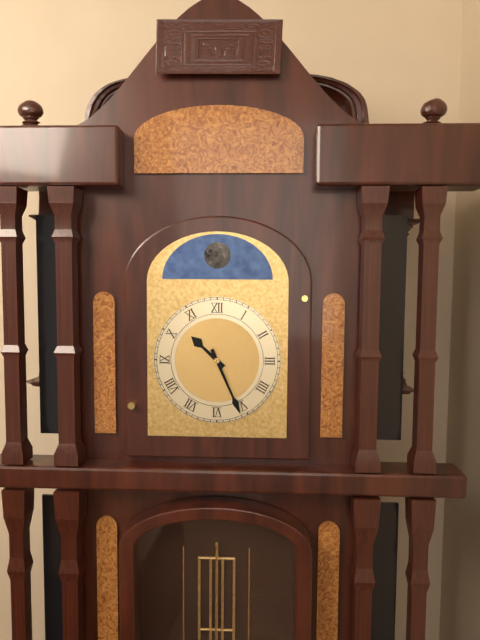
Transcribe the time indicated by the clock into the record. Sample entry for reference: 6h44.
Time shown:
10h26
